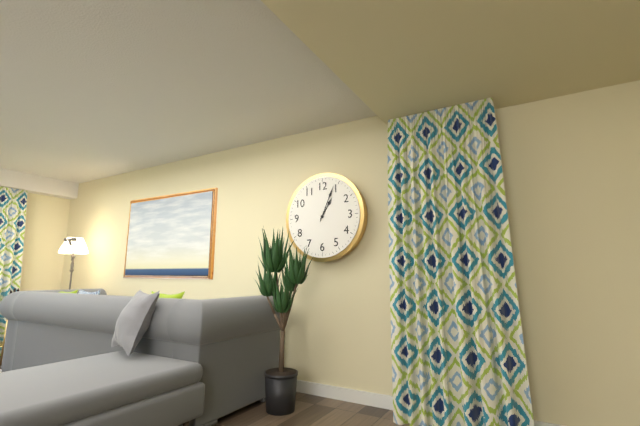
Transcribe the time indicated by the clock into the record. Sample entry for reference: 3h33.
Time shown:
1h04
